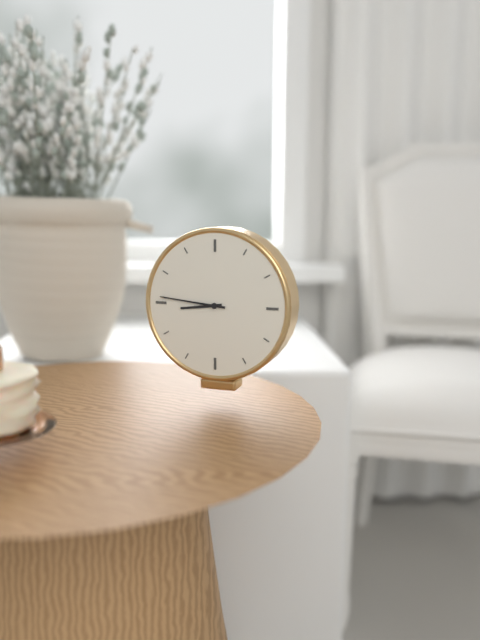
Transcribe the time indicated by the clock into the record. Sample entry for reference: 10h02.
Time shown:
8h46
